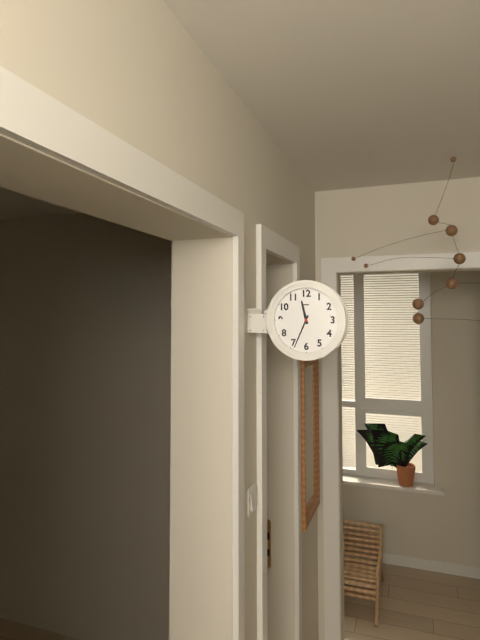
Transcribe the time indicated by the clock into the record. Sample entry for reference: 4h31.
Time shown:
11h34
